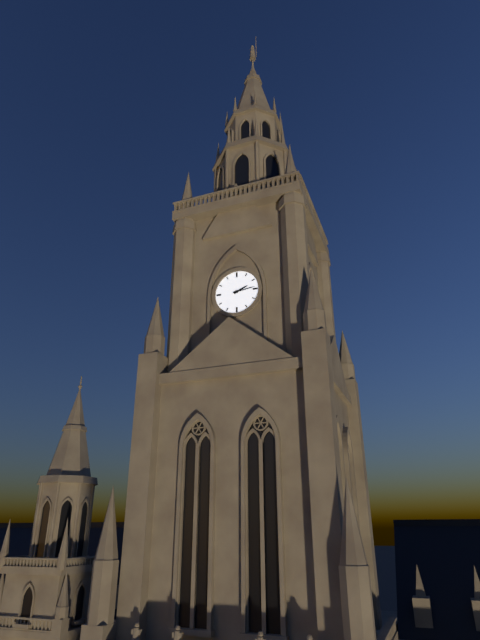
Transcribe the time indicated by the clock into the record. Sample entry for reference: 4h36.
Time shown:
2h14
